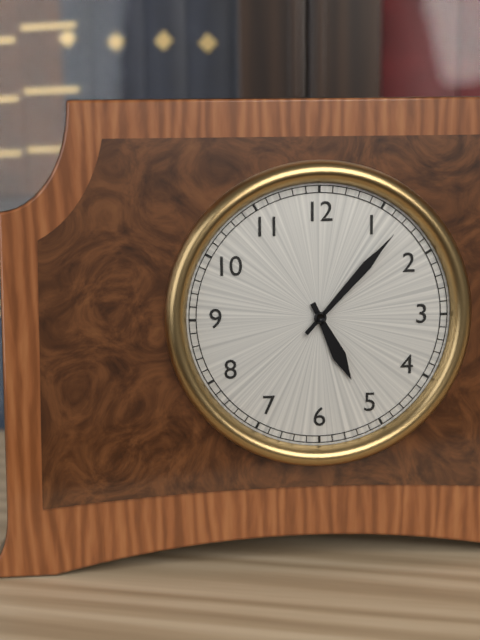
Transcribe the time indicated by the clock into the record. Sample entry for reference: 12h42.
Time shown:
5h07
